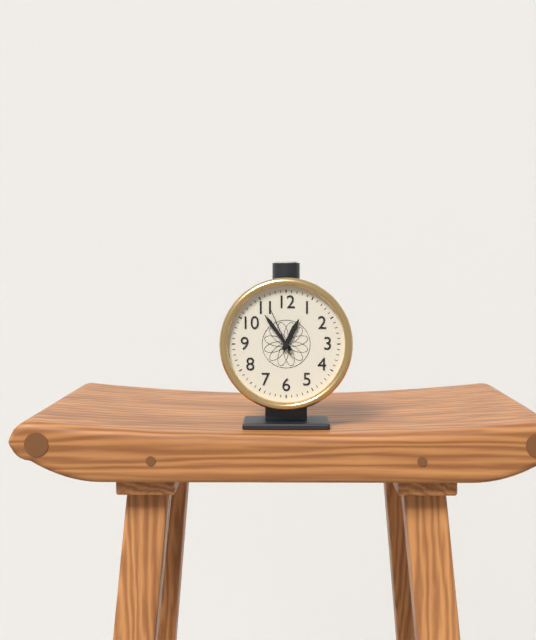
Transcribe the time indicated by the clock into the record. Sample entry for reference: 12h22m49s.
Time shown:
12h54m56s
